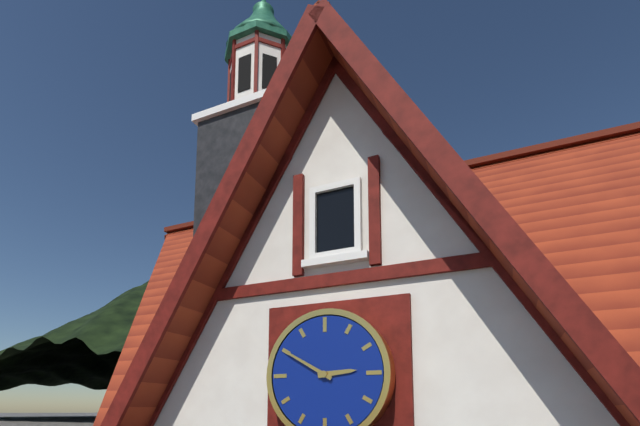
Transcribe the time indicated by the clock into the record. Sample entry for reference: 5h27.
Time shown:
2h50
